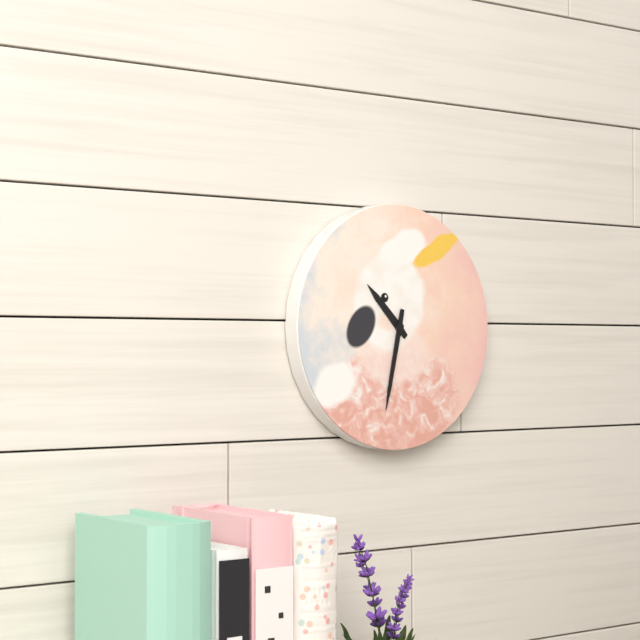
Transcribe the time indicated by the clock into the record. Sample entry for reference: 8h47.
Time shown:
10h32
